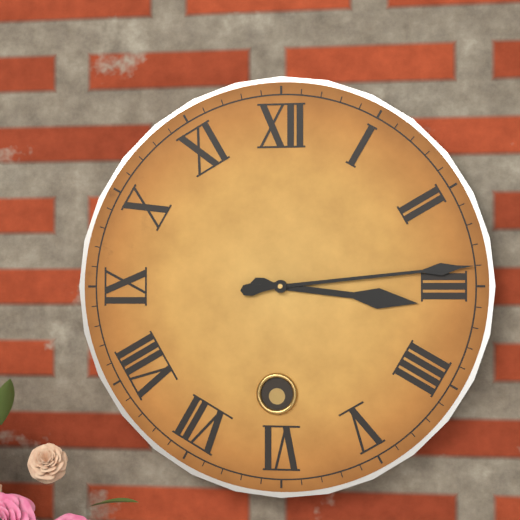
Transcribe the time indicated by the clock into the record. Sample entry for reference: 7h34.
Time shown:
3h14
